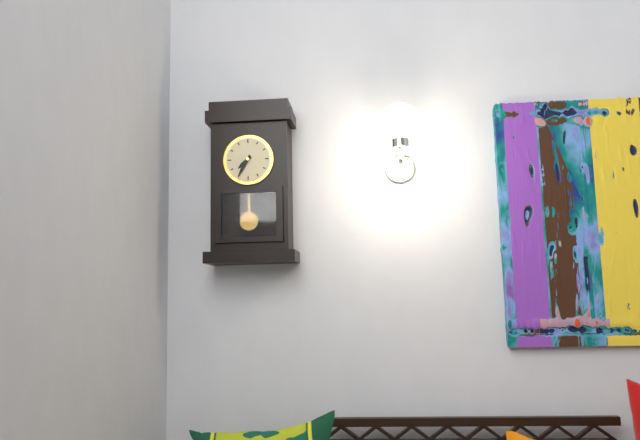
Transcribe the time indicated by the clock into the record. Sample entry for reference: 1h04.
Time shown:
7h35
